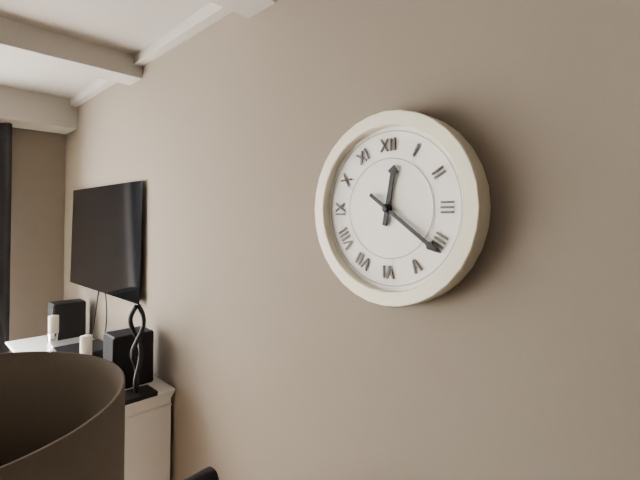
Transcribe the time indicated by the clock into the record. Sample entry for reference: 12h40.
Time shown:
12h21
